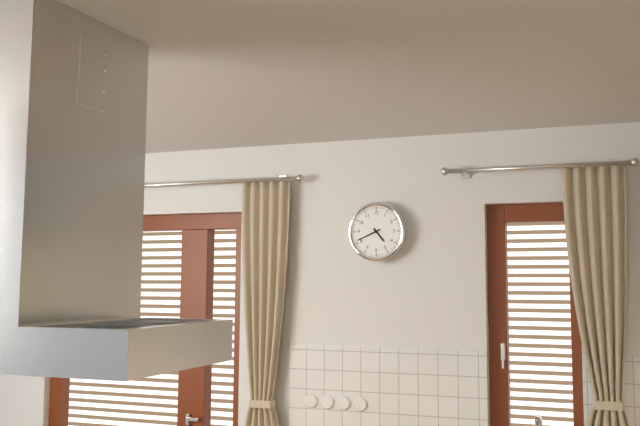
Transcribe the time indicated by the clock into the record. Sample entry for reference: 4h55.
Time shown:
4h41
